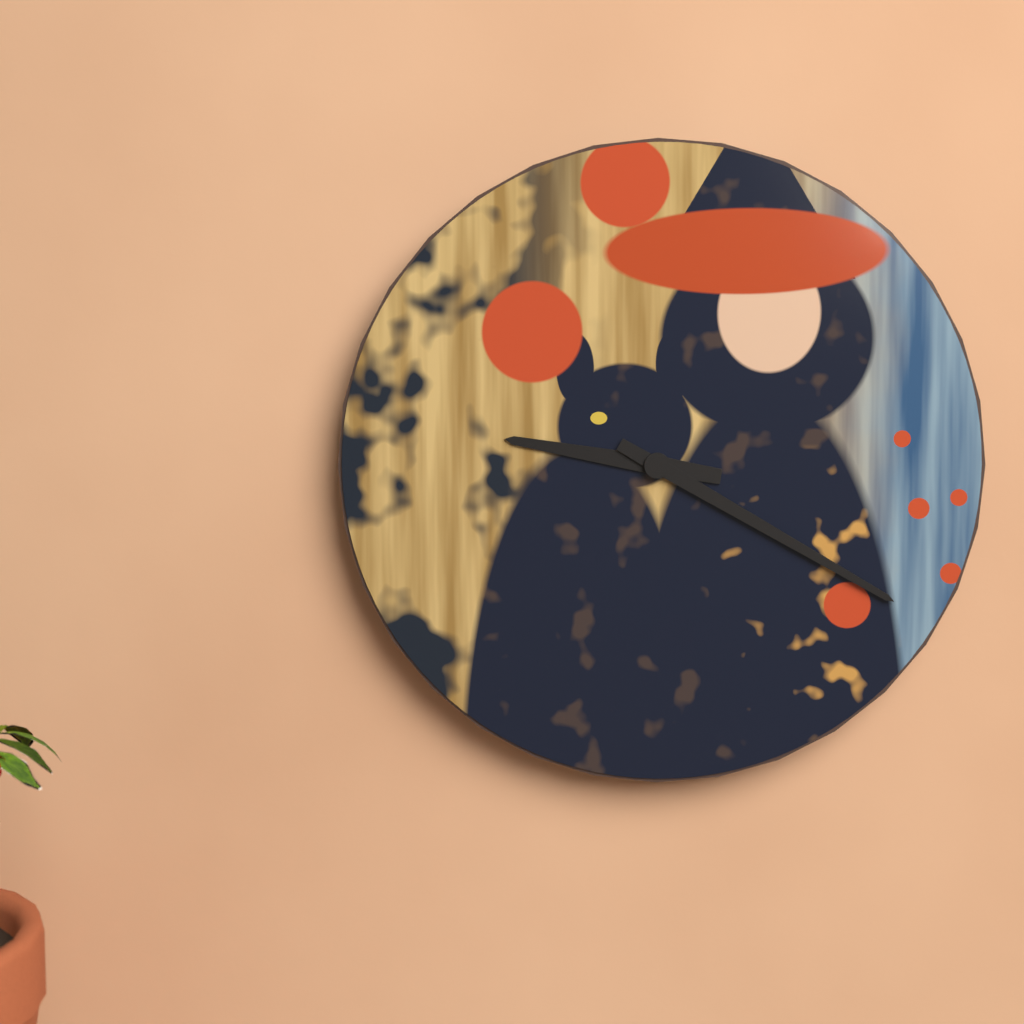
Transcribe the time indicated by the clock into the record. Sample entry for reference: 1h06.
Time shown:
9h20
